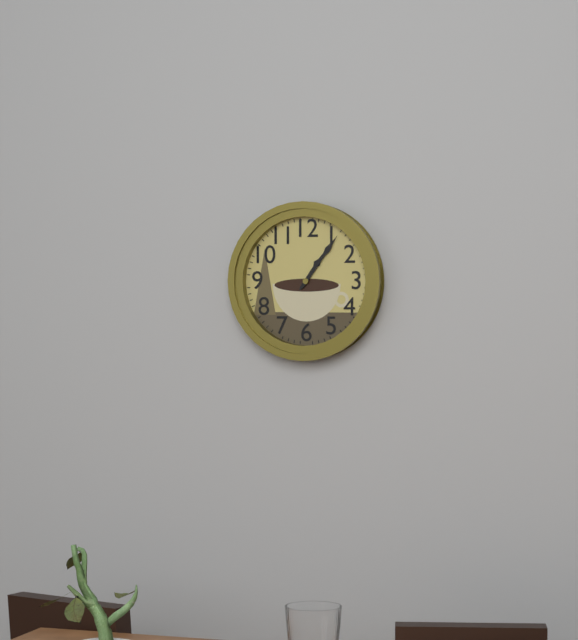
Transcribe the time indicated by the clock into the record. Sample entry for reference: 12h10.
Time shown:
1h06
